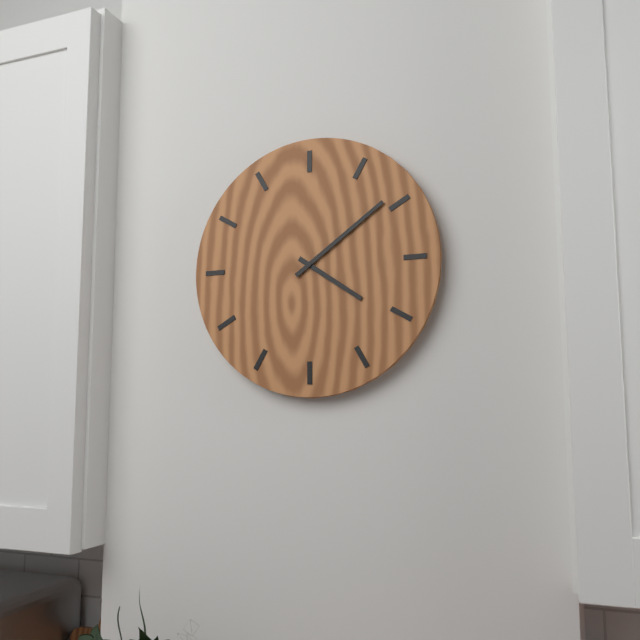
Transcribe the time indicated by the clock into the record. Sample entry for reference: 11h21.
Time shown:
4h09
